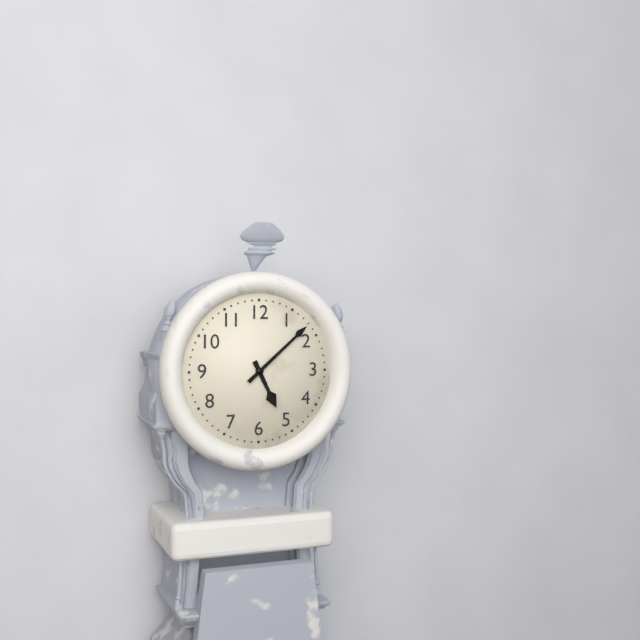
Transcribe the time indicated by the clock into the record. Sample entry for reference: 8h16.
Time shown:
5h08
